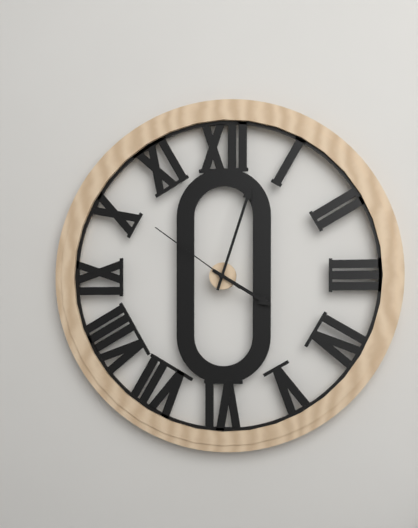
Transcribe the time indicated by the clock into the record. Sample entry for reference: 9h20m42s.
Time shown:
4h03m51s
